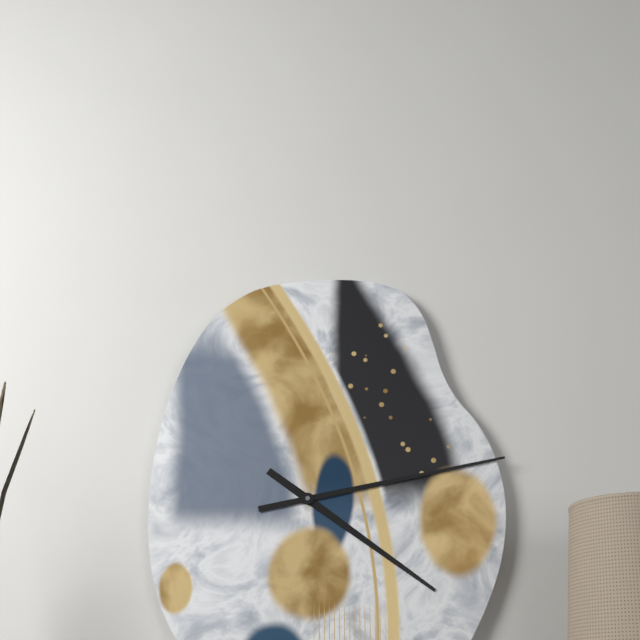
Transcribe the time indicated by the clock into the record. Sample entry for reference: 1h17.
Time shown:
4h13
